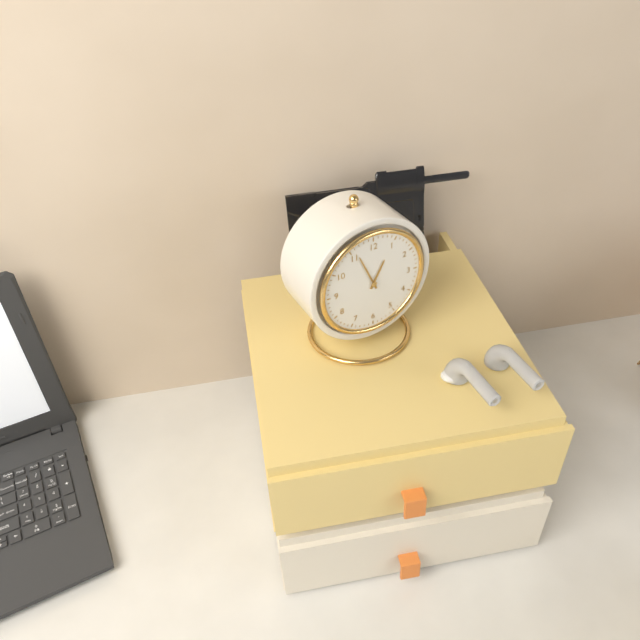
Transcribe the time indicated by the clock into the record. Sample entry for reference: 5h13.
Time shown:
12h56
